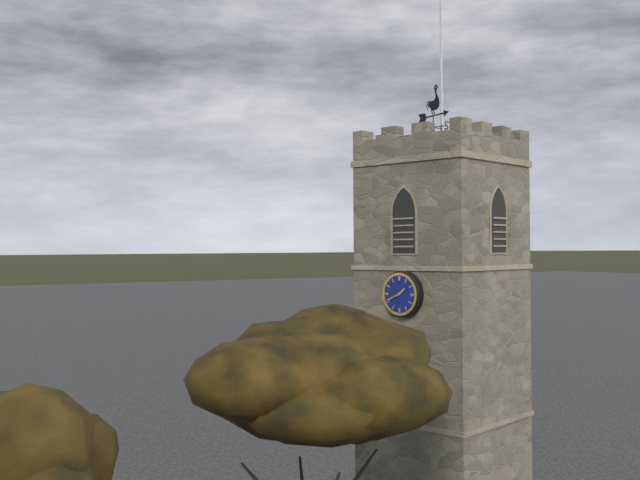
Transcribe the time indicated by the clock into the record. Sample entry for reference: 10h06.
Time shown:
1h41
